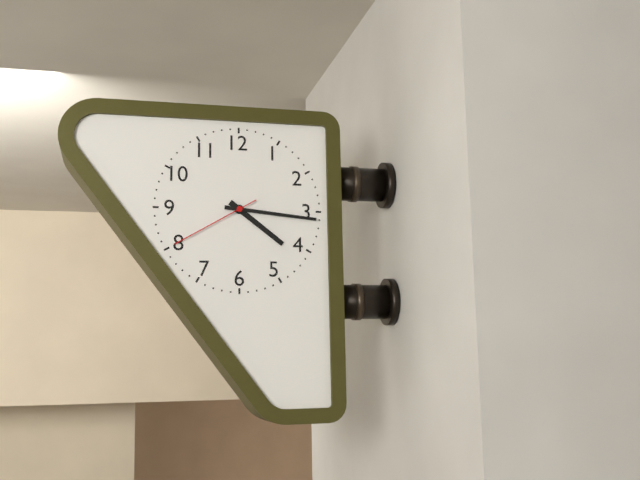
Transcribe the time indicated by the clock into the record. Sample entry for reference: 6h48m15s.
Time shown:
4h16m40s
